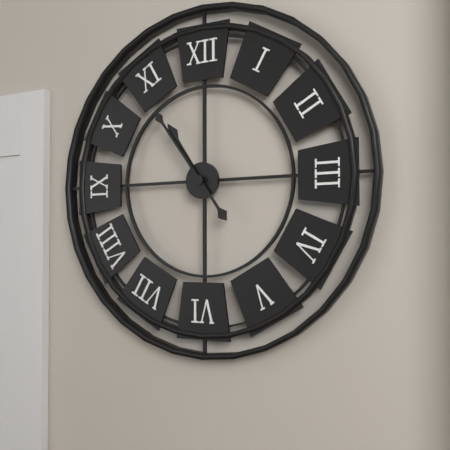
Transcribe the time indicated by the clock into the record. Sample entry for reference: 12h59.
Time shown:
10h54
